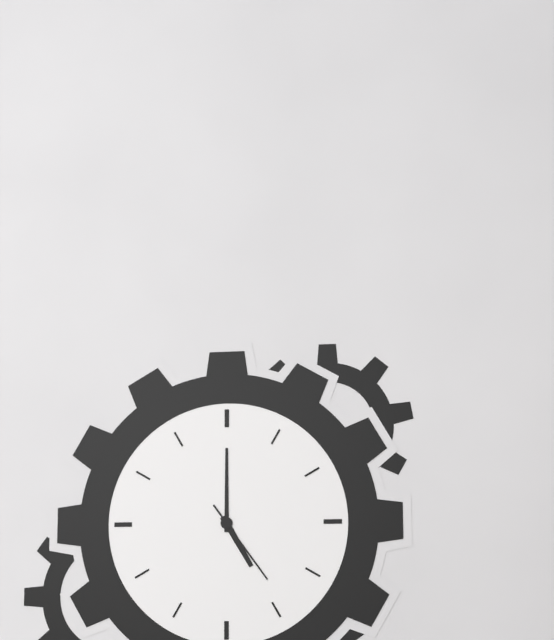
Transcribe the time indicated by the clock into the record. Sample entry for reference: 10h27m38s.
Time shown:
5h00m24s
